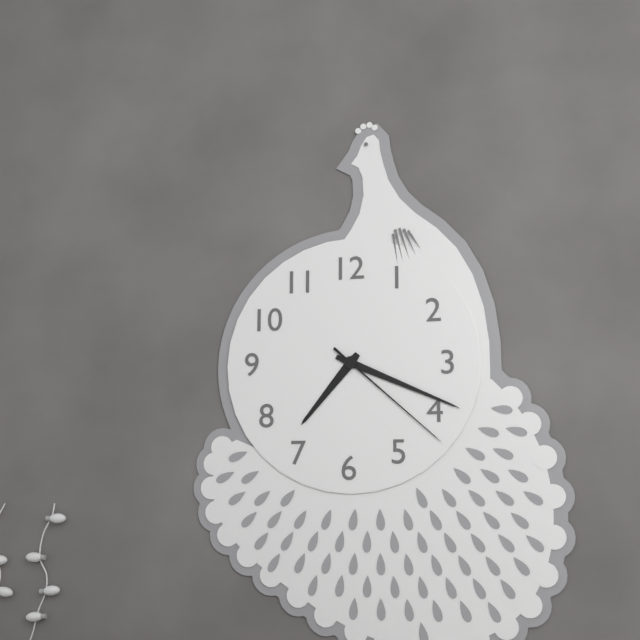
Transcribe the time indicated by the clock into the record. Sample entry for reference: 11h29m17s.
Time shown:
7h19m22s
